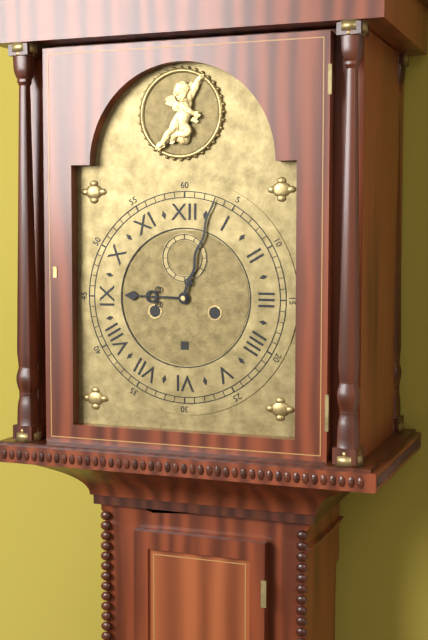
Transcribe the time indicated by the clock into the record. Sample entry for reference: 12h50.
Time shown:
9h03
